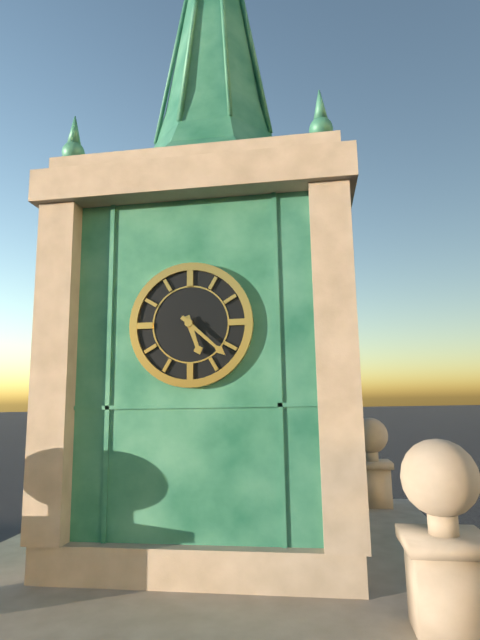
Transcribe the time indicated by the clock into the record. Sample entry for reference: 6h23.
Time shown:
5h22
